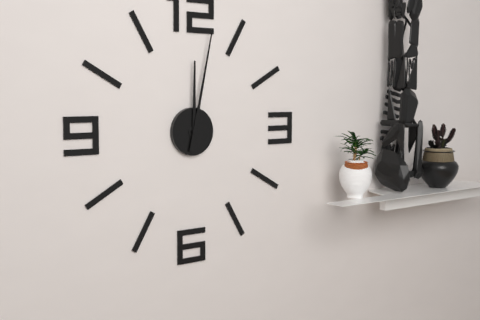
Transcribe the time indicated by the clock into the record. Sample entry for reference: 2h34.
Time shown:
12h02
